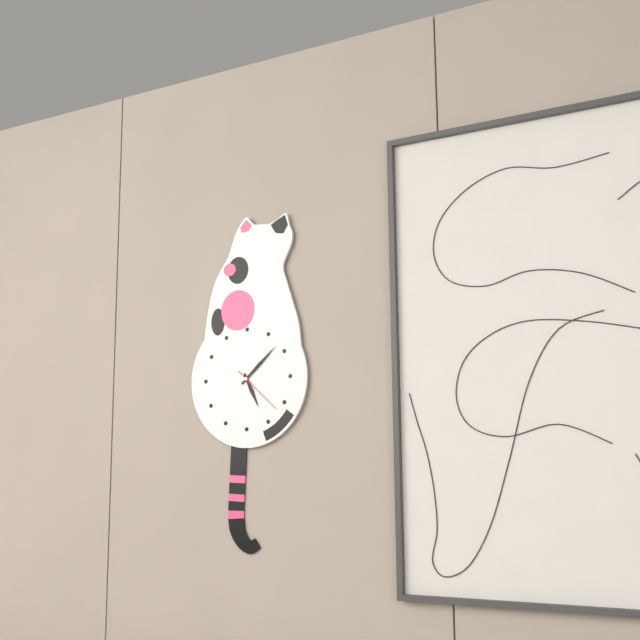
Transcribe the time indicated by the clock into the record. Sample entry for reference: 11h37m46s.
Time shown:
5h08m22s
